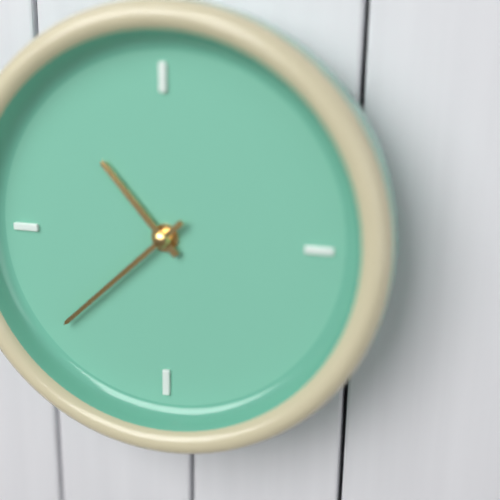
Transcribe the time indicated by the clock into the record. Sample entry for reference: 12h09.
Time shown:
10h38
